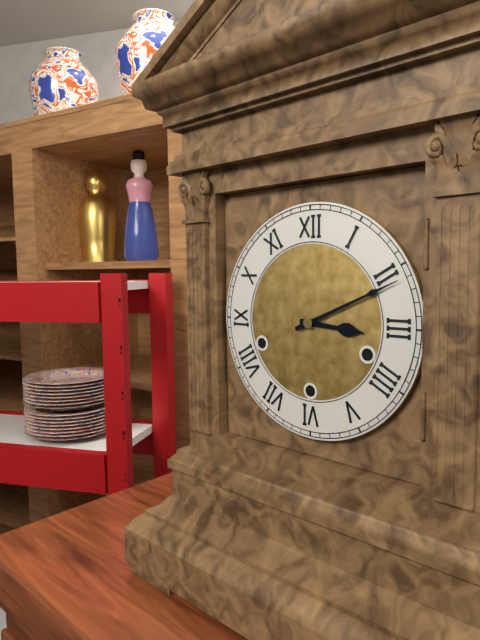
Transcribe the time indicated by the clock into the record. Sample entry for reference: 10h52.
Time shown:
3h11
